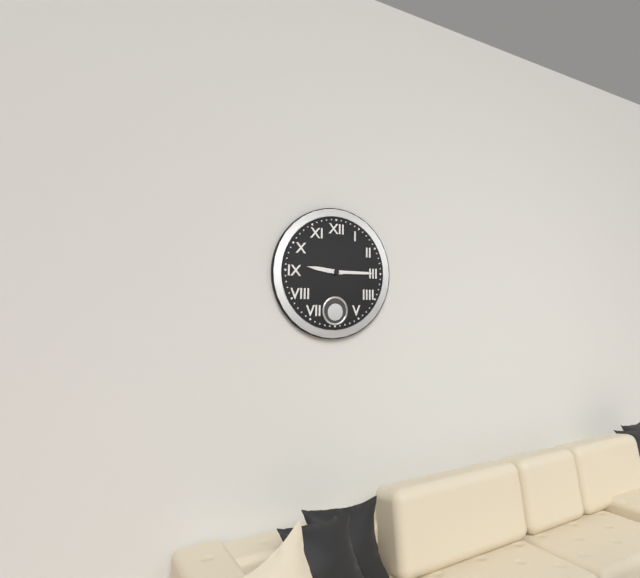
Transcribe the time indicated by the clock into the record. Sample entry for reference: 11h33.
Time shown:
9h15
